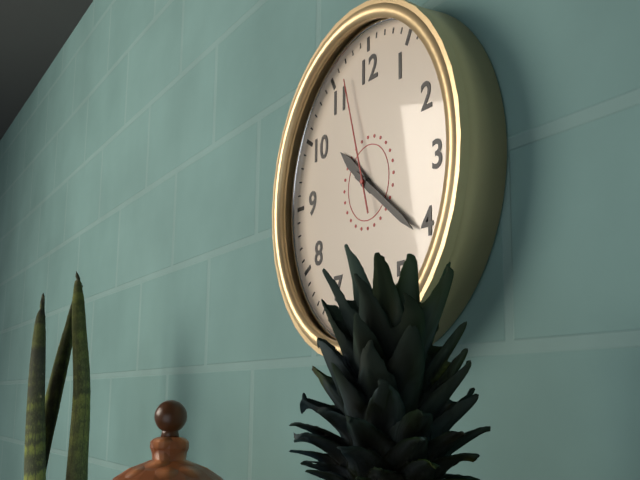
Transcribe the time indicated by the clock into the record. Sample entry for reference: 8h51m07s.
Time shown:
10h21m57s
